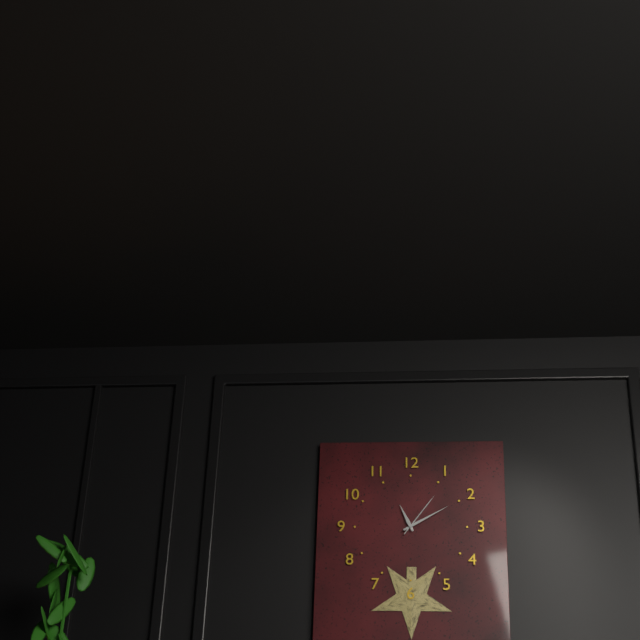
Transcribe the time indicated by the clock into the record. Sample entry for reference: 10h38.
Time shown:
11h10
